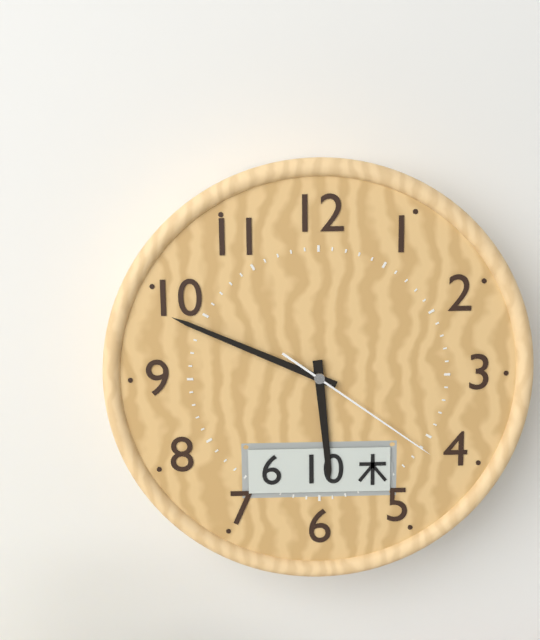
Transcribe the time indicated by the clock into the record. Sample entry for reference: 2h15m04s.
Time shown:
5h49m21s
